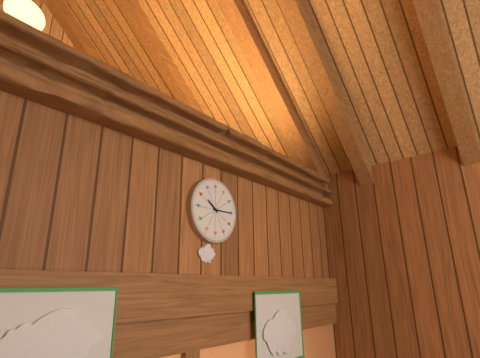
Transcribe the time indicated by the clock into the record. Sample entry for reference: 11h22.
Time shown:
10h15
